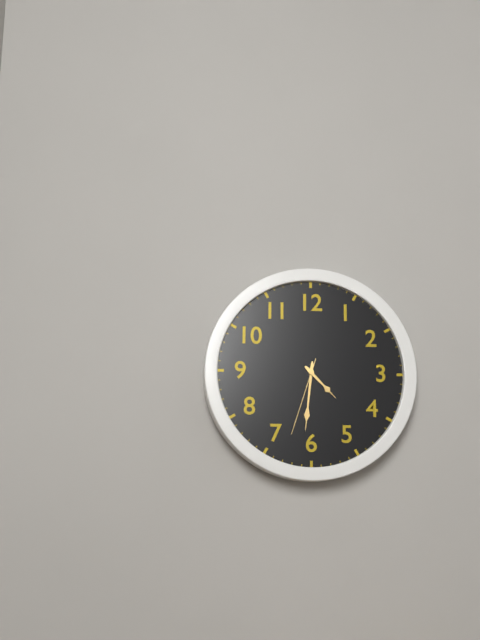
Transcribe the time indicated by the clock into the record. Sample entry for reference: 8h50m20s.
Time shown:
4h31m33s
